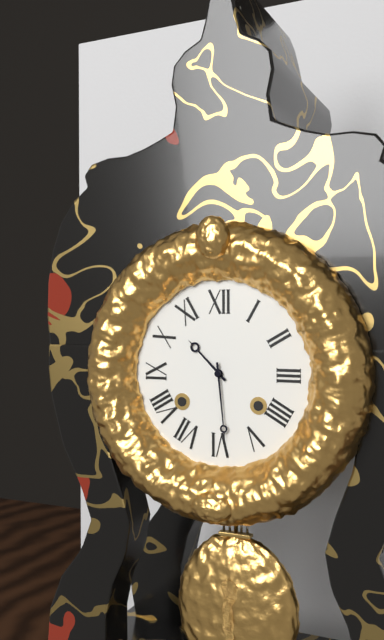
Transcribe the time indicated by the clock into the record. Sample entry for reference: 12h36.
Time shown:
10h29
